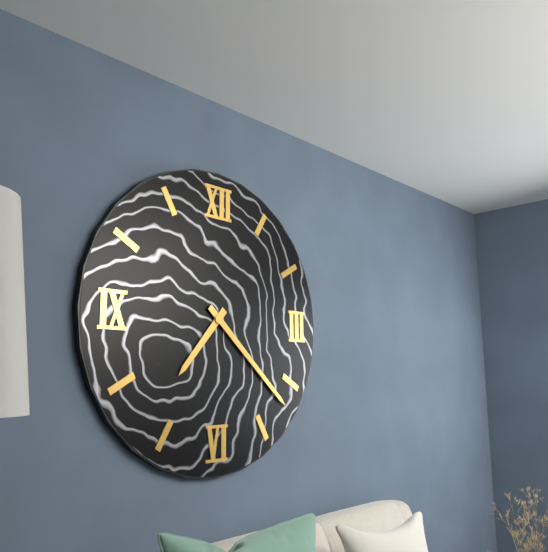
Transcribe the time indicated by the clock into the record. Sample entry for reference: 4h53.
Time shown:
7h22
